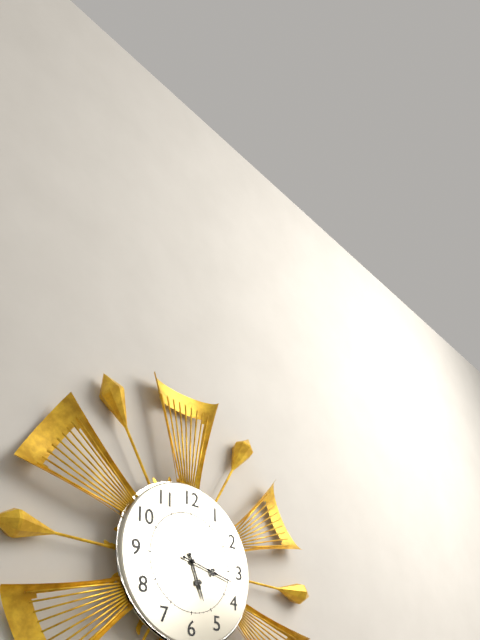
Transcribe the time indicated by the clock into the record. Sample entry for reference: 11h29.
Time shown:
5h17
